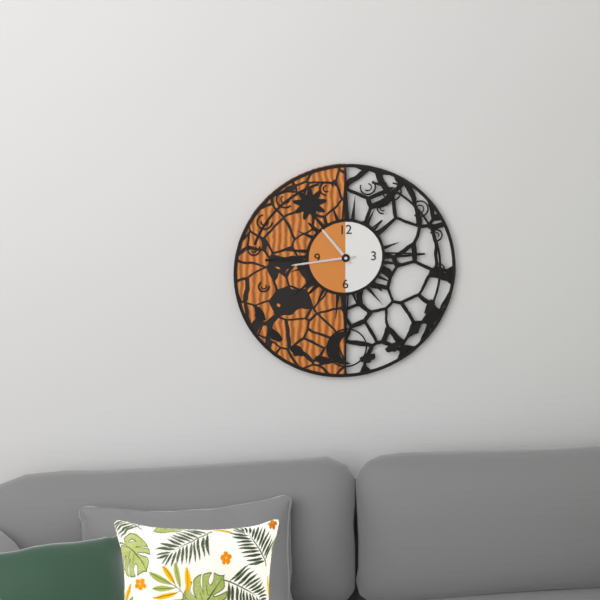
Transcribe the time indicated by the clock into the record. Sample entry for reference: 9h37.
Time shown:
10h44
